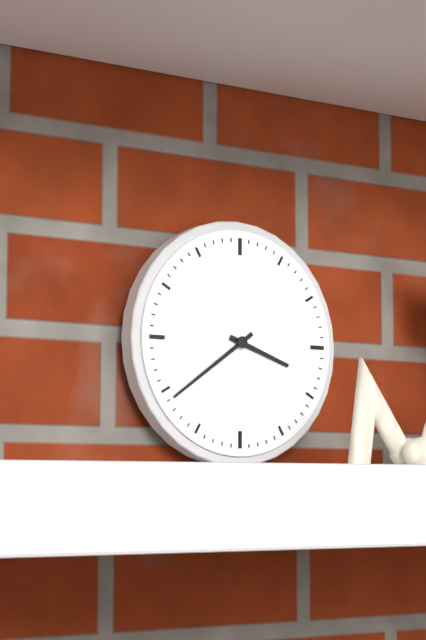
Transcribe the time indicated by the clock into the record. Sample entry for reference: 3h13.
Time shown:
3h39
